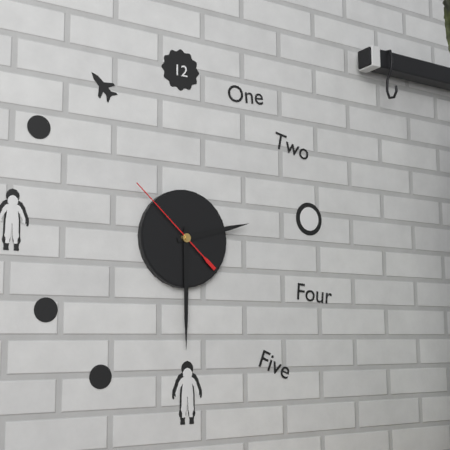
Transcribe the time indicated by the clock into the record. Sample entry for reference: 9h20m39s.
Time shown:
2h30m52s
